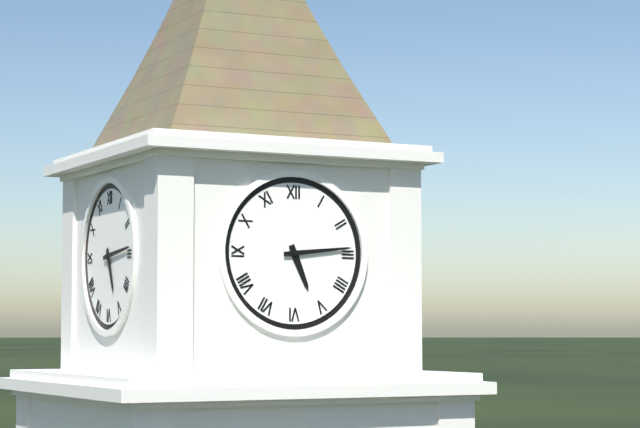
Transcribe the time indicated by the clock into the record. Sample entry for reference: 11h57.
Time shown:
5h14
